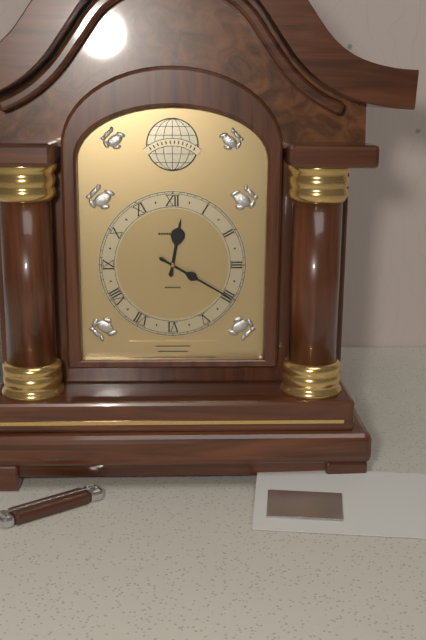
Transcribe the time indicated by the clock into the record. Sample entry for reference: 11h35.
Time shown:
12h20
